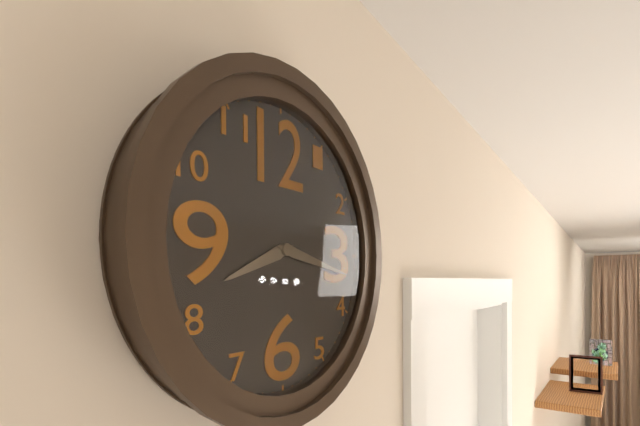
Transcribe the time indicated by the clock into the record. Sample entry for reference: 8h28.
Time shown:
8h17
